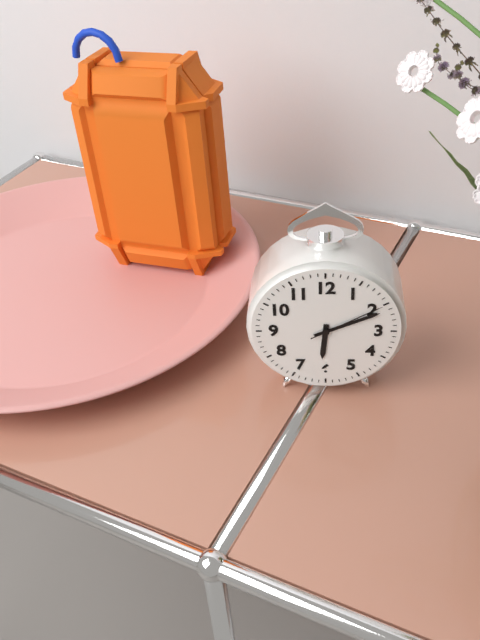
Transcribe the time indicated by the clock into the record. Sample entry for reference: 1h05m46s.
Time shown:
6h11m10s
